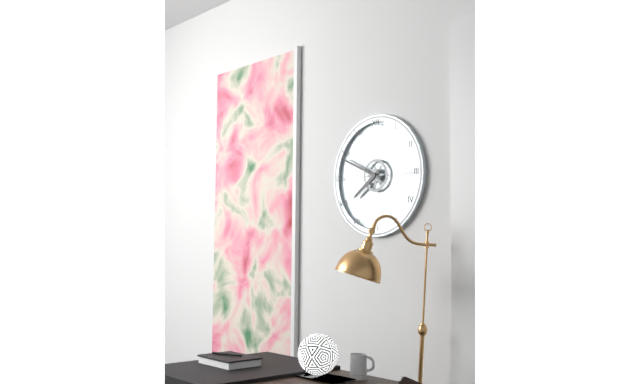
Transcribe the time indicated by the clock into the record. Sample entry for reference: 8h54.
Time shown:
7h49
